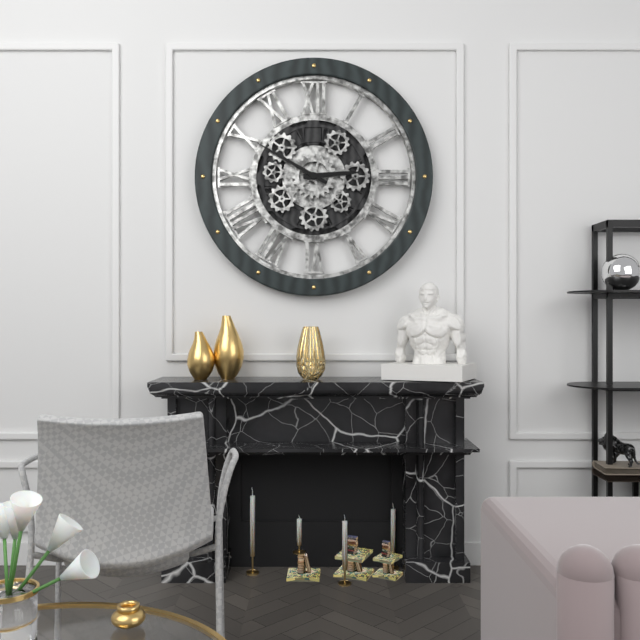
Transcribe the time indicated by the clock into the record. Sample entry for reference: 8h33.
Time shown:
2h50
